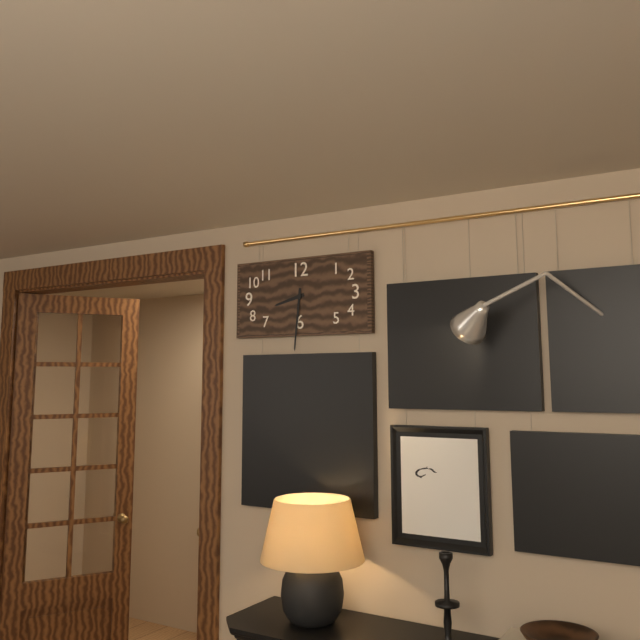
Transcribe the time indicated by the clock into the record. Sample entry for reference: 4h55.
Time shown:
8h31
